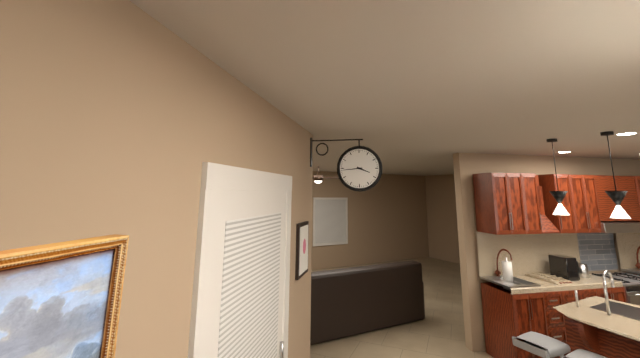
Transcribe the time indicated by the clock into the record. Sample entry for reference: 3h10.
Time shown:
3h44
